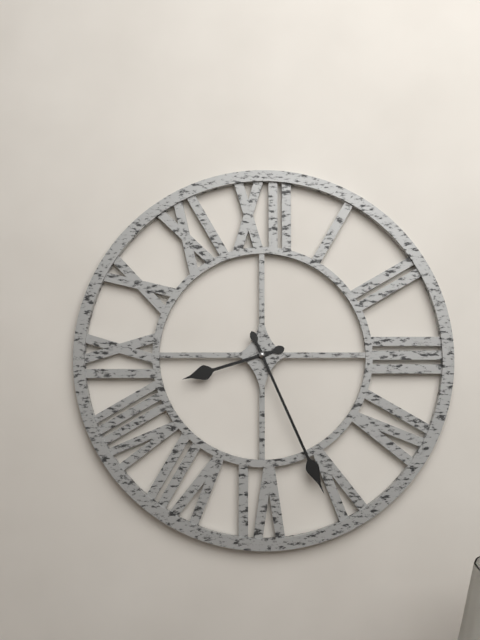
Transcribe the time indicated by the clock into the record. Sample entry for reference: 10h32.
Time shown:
8h26
